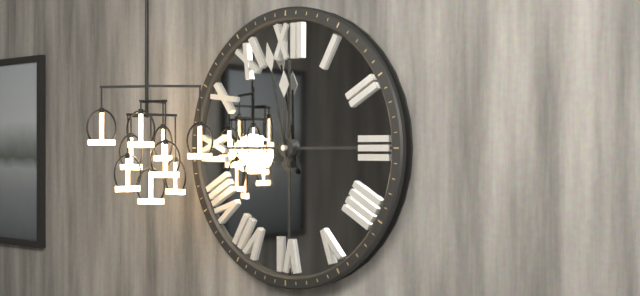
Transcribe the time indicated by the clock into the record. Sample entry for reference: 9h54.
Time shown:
11h58
